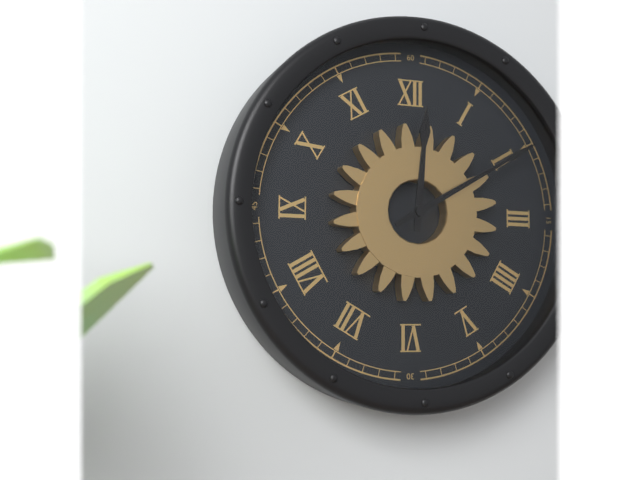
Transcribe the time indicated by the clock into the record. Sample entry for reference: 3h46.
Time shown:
12h10
